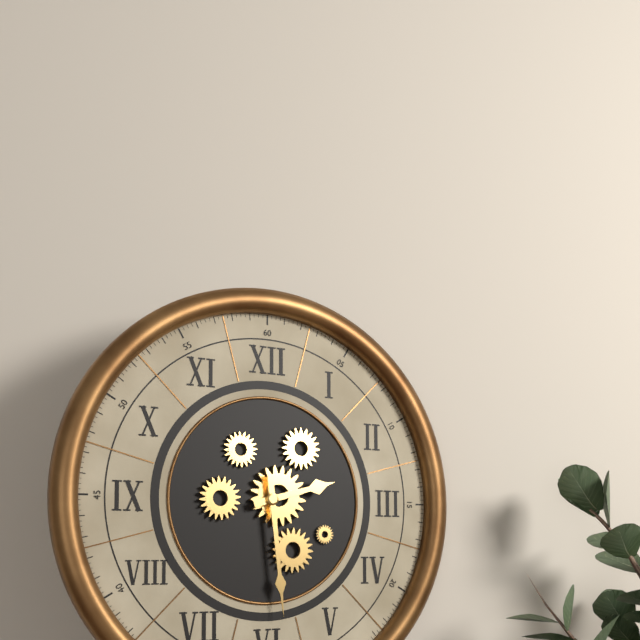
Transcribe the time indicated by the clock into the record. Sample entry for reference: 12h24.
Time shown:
2h29
